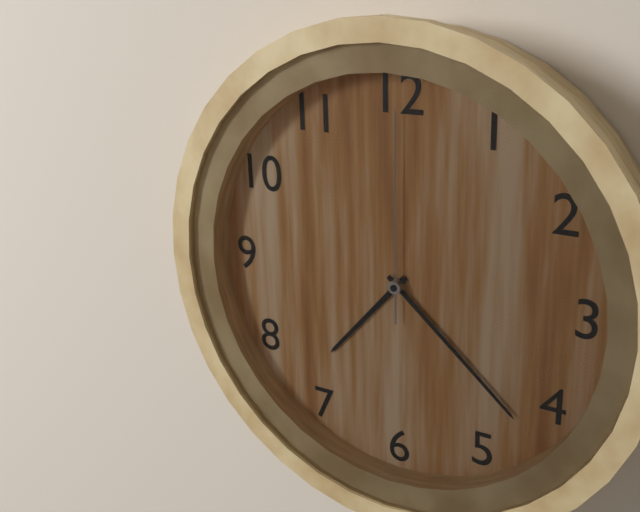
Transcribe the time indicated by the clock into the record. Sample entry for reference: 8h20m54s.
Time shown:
7h22m00s
